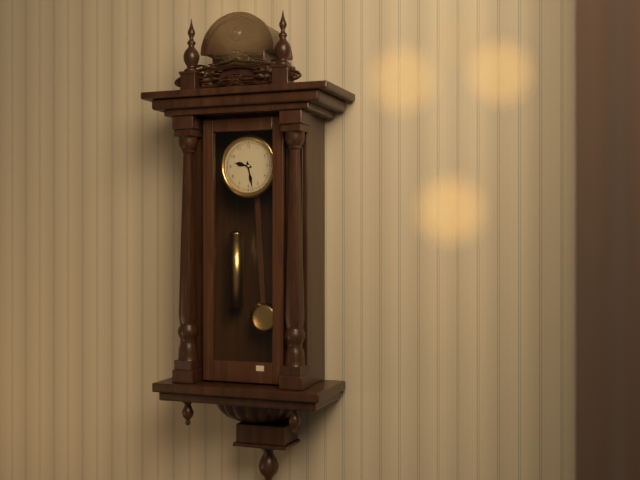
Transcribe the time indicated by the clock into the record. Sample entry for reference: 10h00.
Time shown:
9h28
